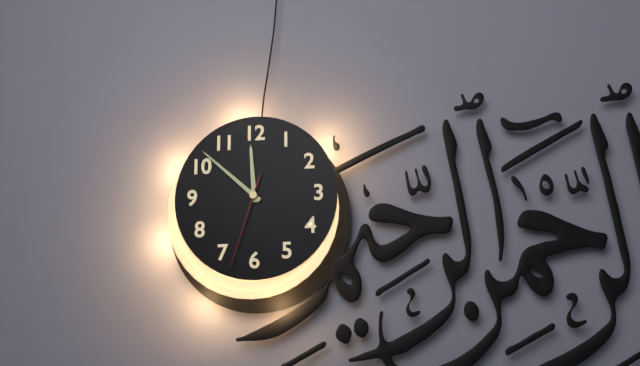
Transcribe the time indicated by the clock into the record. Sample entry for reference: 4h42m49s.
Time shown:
11h52m33s
